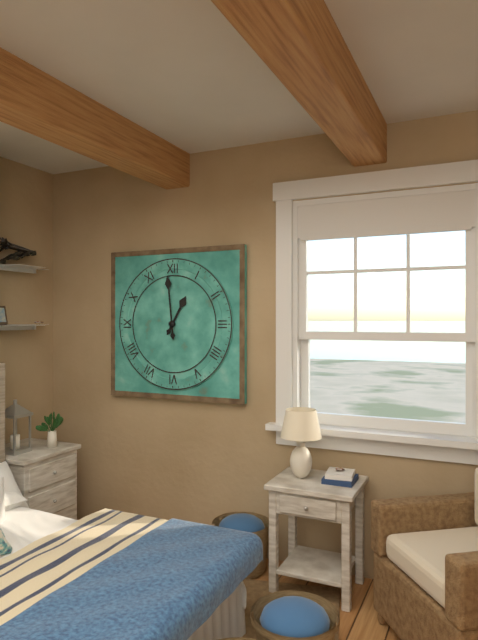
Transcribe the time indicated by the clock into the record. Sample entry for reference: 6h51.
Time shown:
12h59
